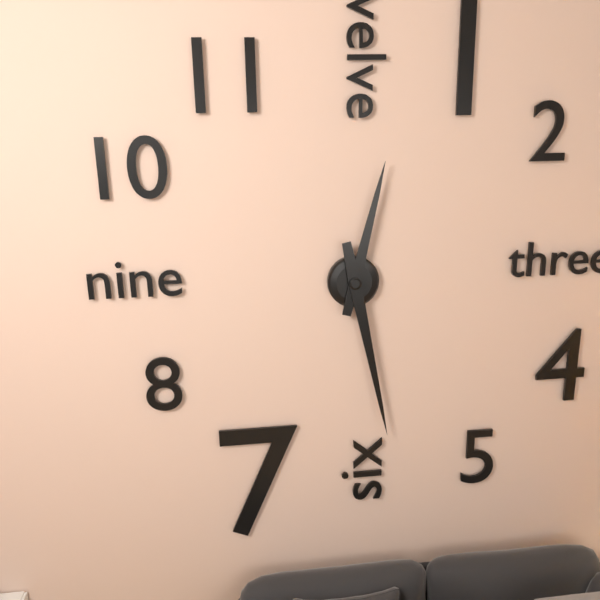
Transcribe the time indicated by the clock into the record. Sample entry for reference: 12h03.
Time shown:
12h28
